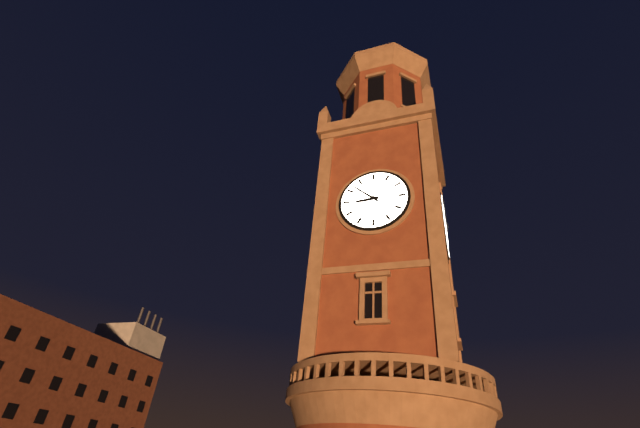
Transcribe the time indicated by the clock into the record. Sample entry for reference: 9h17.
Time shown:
8h52
